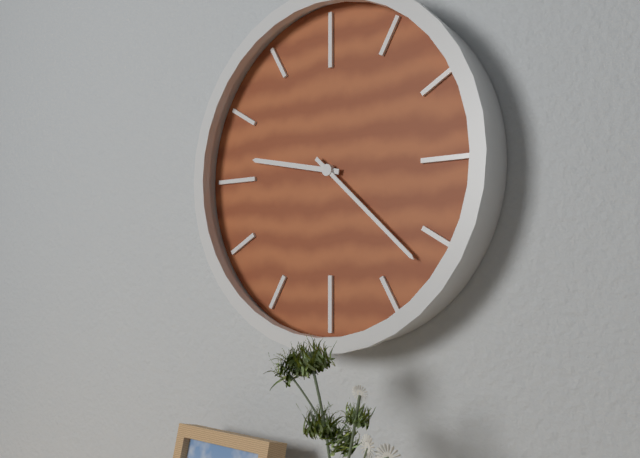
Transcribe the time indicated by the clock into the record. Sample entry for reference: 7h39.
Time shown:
9h22
